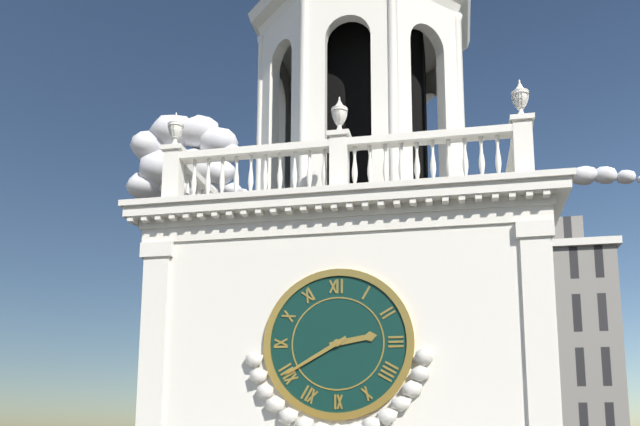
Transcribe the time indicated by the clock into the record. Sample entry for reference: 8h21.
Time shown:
2h40
